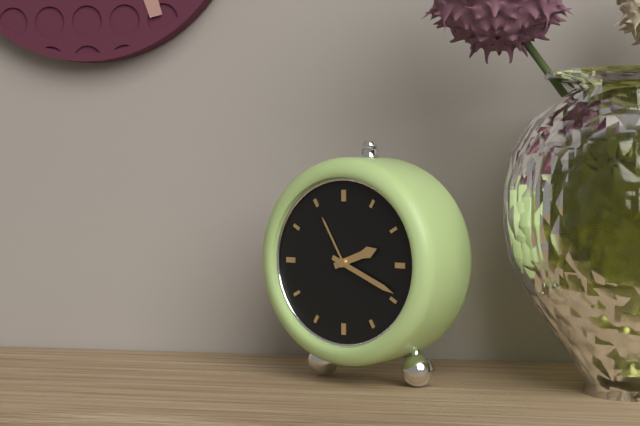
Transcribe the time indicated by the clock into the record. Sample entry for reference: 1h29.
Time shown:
2h19
